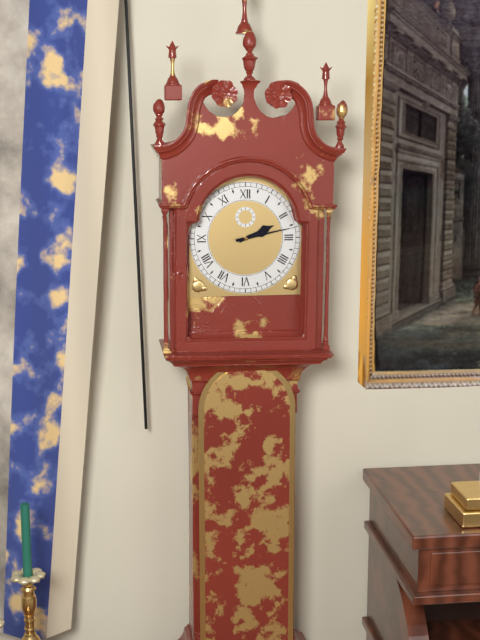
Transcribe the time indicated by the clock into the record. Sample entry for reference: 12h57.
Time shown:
2h13
